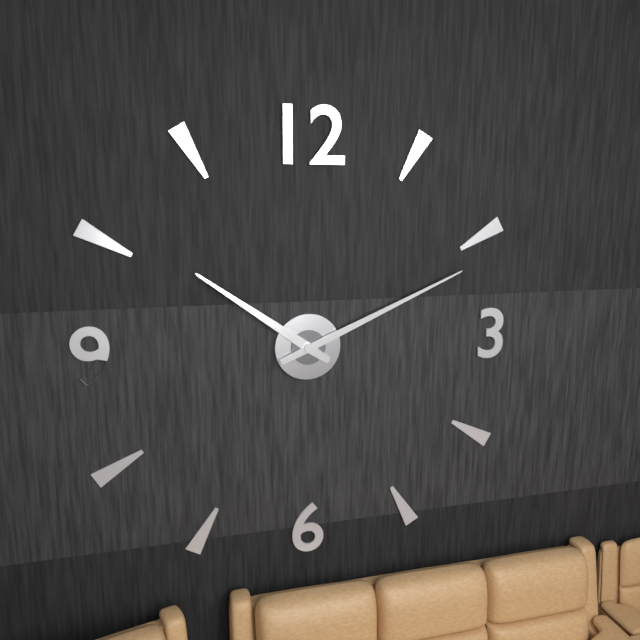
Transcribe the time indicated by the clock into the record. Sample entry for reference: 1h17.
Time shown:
10h11
